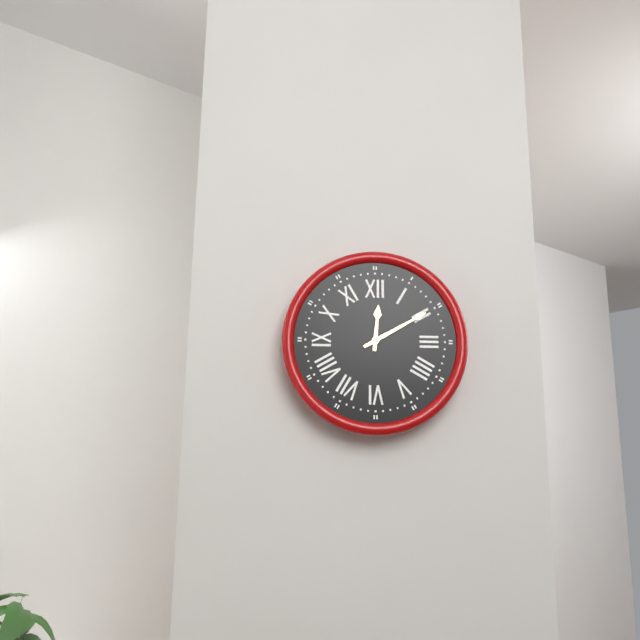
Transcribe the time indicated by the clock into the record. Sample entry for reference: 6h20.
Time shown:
12h10
